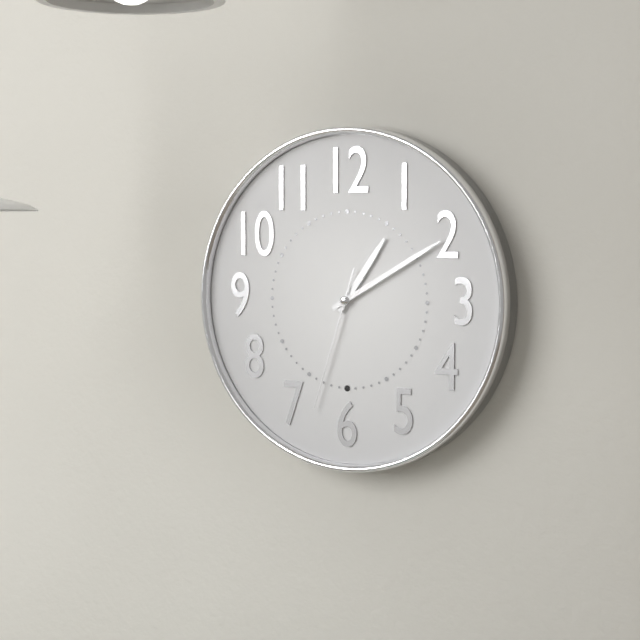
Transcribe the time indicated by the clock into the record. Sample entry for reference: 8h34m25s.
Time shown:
1h10m33s
